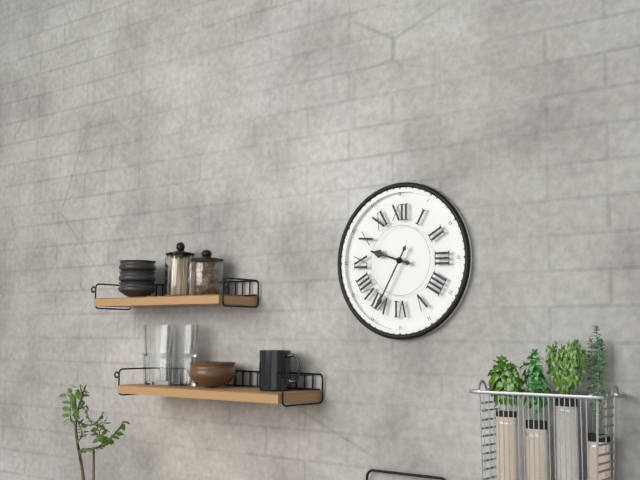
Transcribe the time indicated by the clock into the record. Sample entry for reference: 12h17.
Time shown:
9h35
